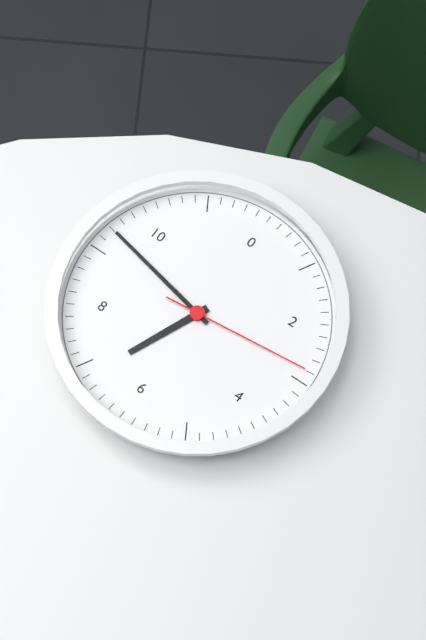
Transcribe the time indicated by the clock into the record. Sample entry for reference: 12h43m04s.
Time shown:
6h47m14s
